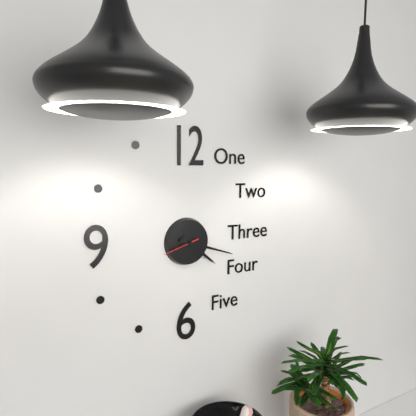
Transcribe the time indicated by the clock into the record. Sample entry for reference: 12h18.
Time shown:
4h18
